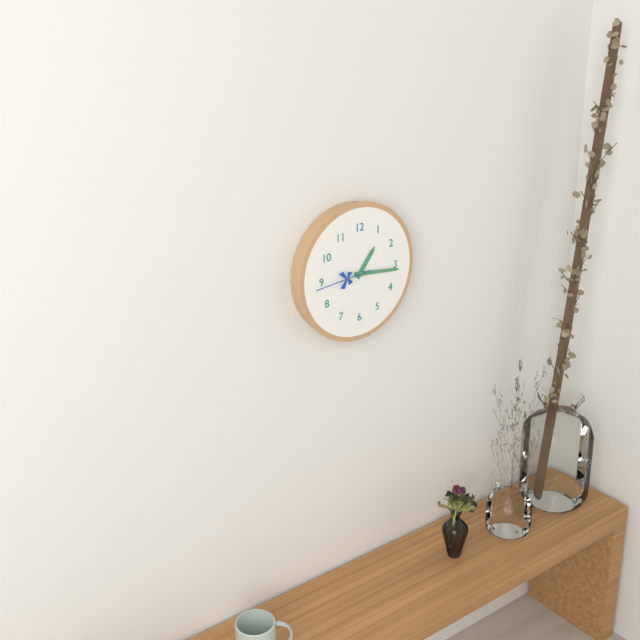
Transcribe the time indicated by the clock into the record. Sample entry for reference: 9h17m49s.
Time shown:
1h16m44s
